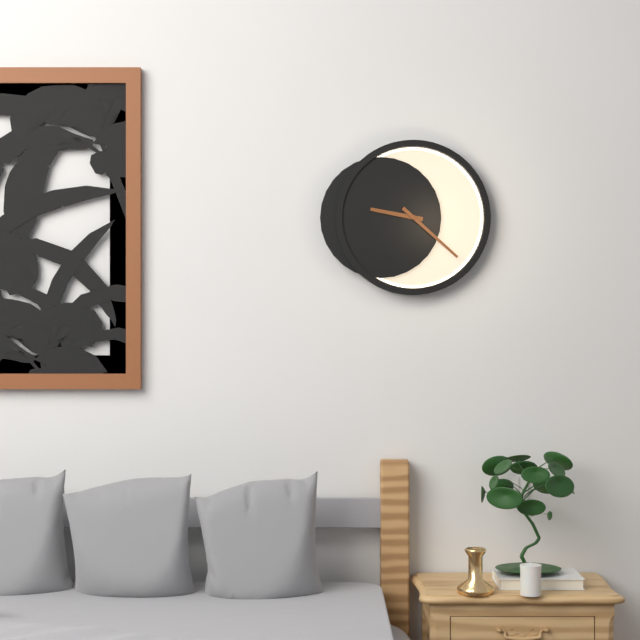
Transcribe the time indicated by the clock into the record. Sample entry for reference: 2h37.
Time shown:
9h22
